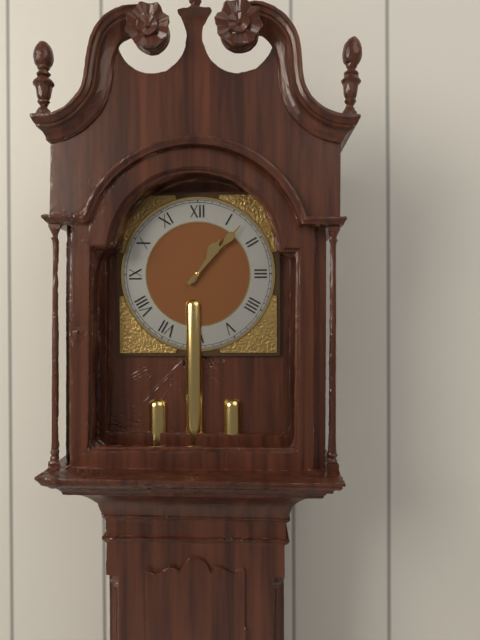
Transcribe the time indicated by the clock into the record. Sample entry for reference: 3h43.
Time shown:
1h07
